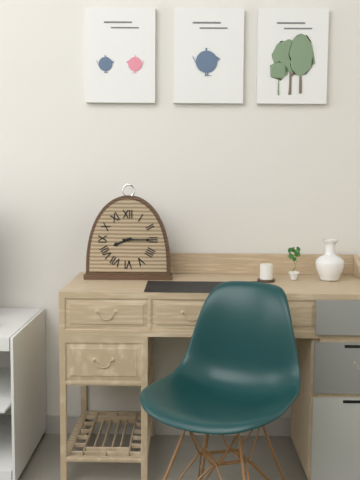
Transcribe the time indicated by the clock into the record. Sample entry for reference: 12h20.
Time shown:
8h15
